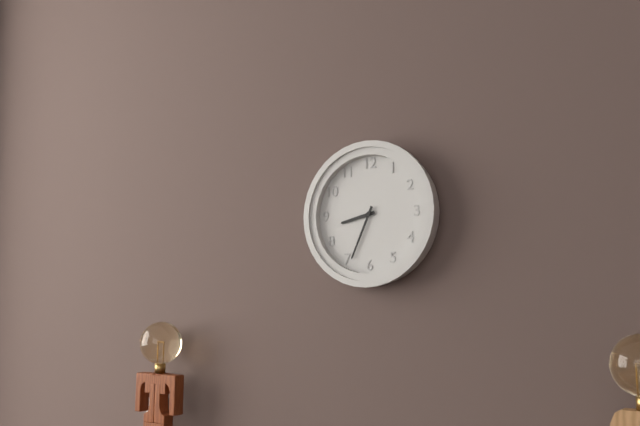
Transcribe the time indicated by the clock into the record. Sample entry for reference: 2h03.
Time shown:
8h34
